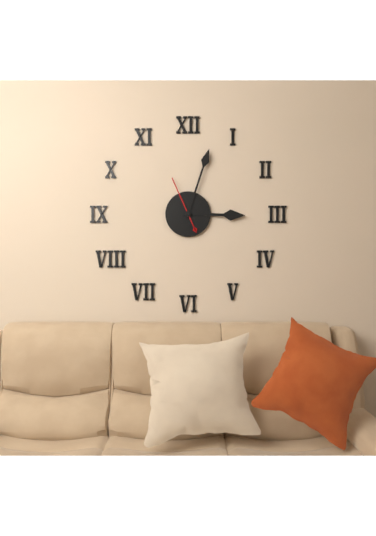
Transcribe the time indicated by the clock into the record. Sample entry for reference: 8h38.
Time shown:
3h03
